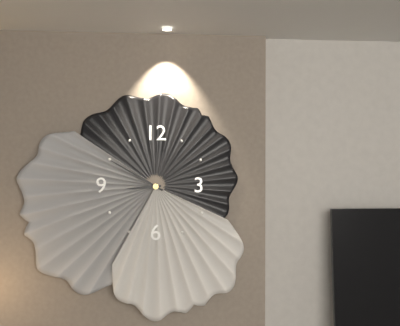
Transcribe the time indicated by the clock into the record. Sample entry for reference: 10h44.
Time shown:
8h50
